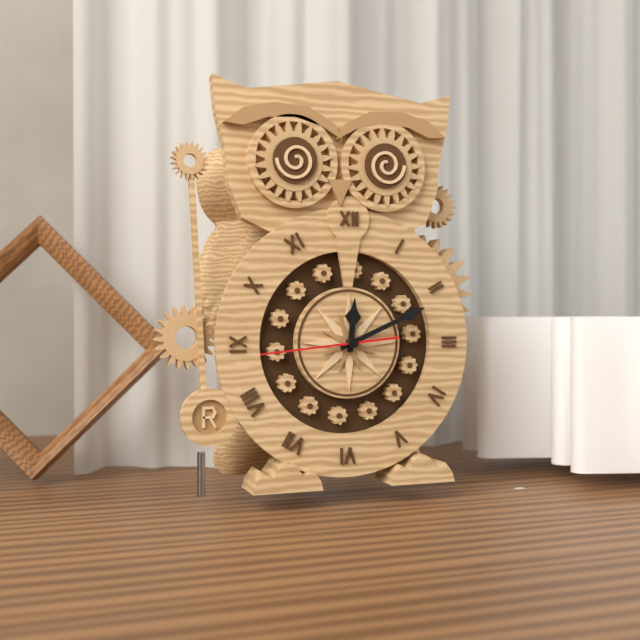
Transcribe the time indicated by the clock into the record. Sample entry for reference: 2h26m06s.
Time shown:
12h11m44s
